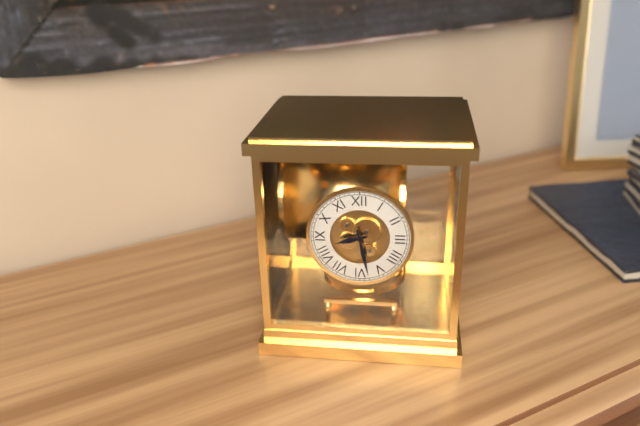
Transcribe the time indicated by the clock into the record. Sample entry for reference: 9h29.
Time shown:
8h28
